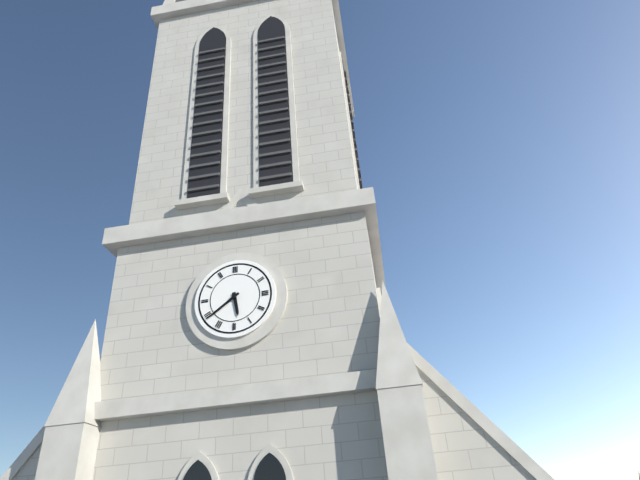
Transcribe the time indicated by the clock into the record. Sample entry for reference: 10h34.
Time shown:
5h39
